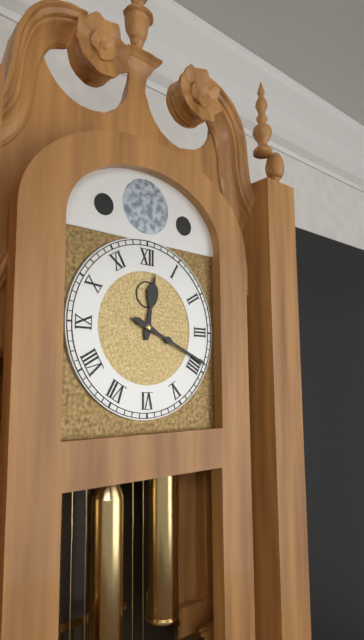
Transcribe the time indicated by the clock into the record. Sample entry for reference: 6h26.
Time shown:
12h19
